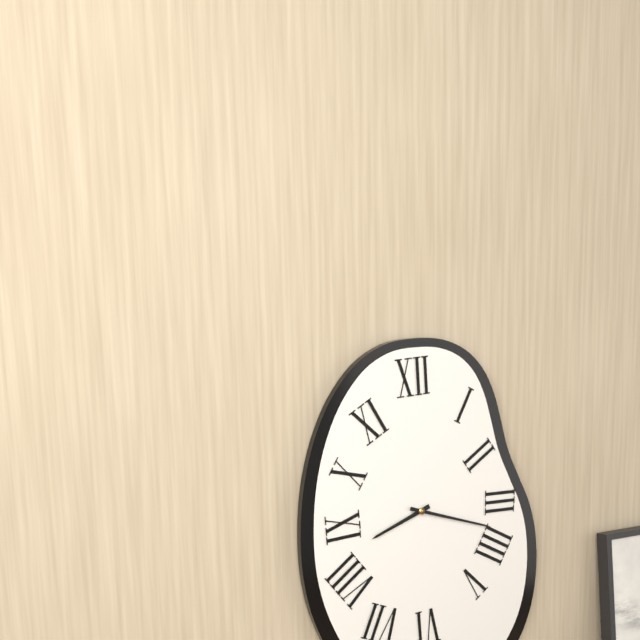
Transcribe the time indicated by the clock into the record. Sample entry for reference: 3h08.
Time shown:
8h18
